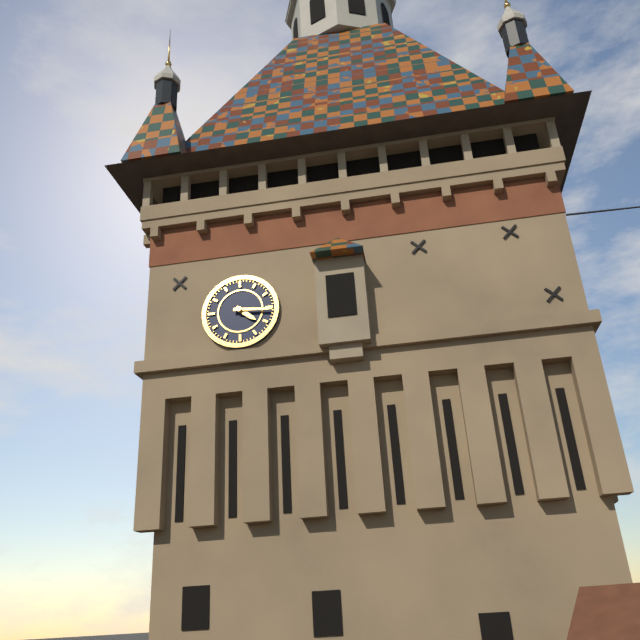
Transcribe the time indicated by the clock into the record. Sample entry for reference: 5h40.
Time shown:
4h16
